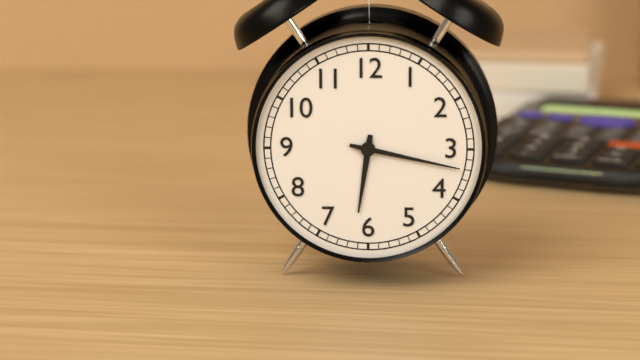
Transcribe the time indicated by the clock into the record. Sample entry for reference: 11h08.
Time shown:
6h17
